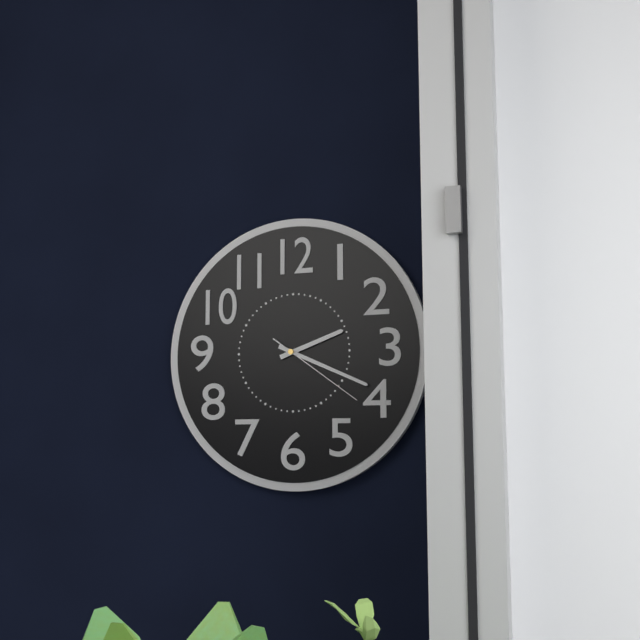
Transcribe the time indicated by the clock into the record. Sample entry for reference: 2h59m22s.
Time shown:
2h19m21s
